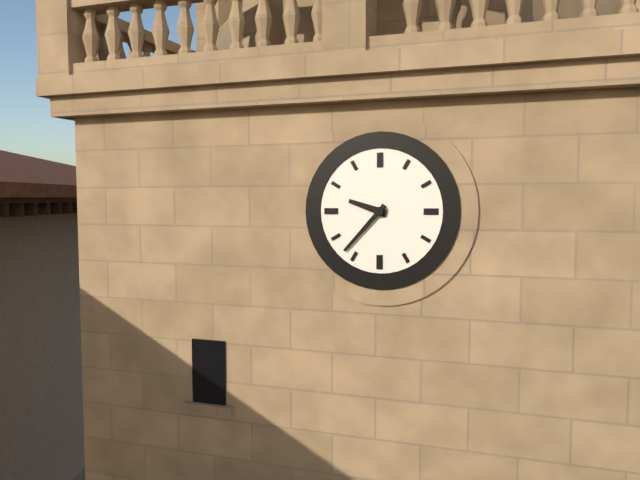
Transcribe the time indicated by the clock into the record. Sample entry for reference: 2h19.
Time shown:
9h37
